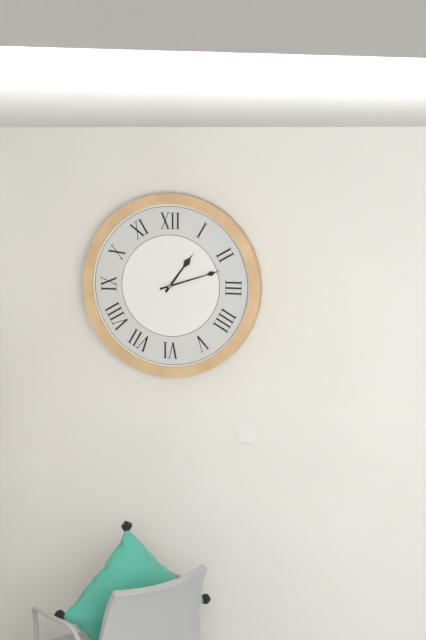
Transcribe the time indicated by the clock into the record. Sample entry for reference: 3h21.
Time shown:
1h12
